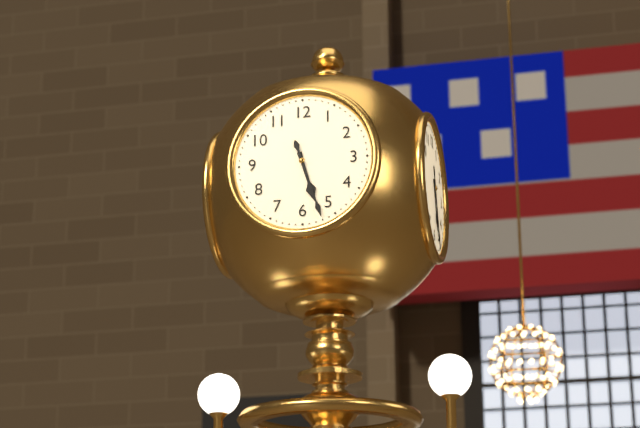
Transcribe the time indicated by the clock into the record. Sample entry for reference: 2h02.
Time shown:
5h27
